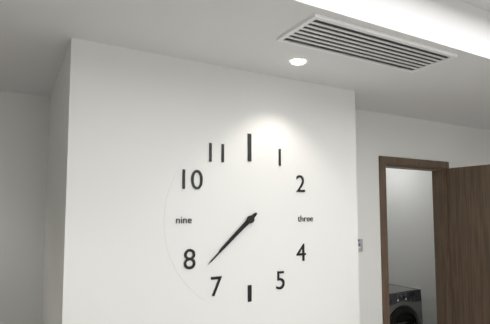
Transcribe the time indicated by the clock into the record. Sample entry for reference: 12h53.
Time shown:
7h38
